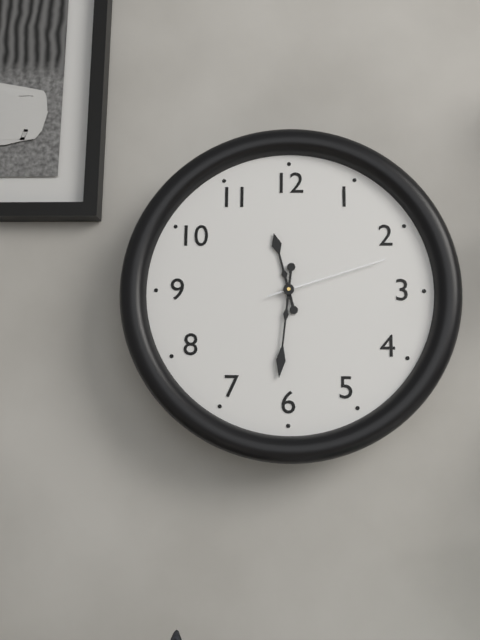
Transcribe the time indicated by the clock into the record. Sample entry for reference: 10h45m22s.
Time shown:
11h31m12s
